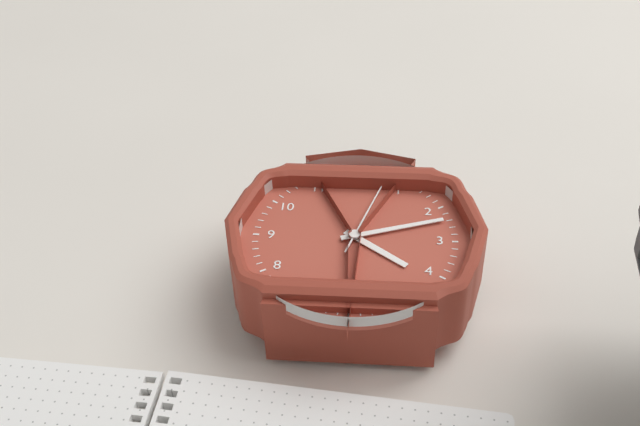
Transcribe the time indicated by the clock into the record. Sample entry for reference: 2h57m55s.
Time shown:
4h12m03s
